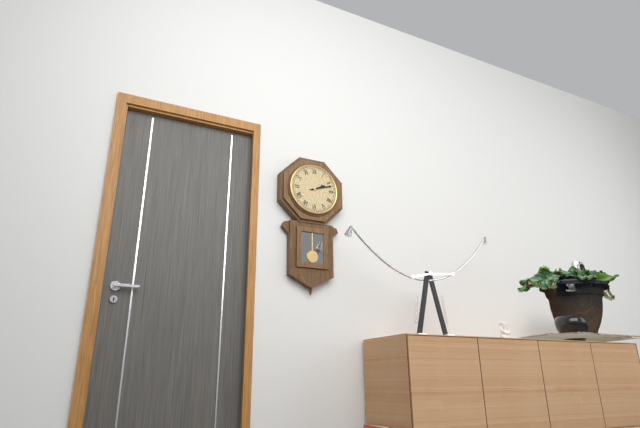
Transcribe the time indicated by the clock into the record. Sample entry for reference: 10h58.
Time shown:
2h12
